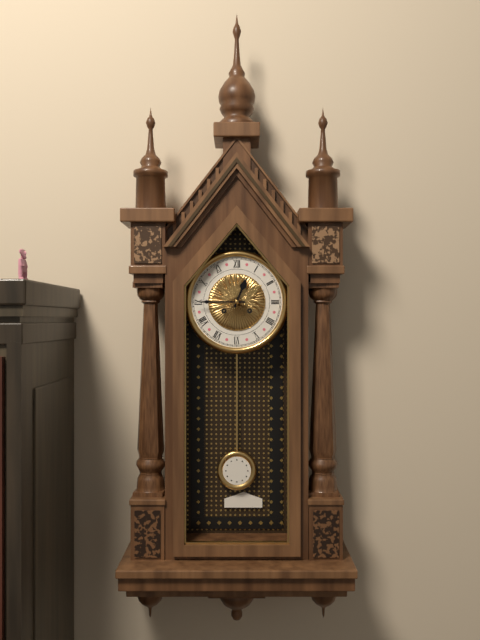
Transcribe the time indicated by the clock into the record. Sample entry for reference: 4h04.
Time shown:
12h45
